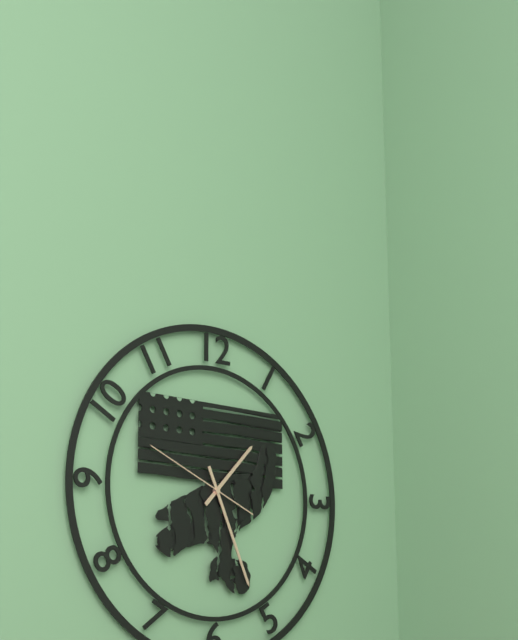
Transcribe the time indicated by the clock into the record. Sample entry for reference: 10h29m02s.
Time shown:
1h26m49s
